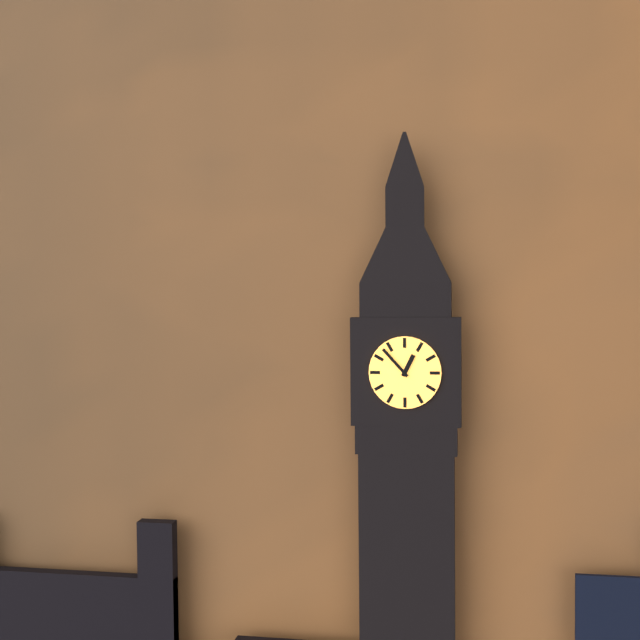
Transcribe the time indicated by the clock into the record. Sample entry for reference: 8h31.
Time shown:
12h53
